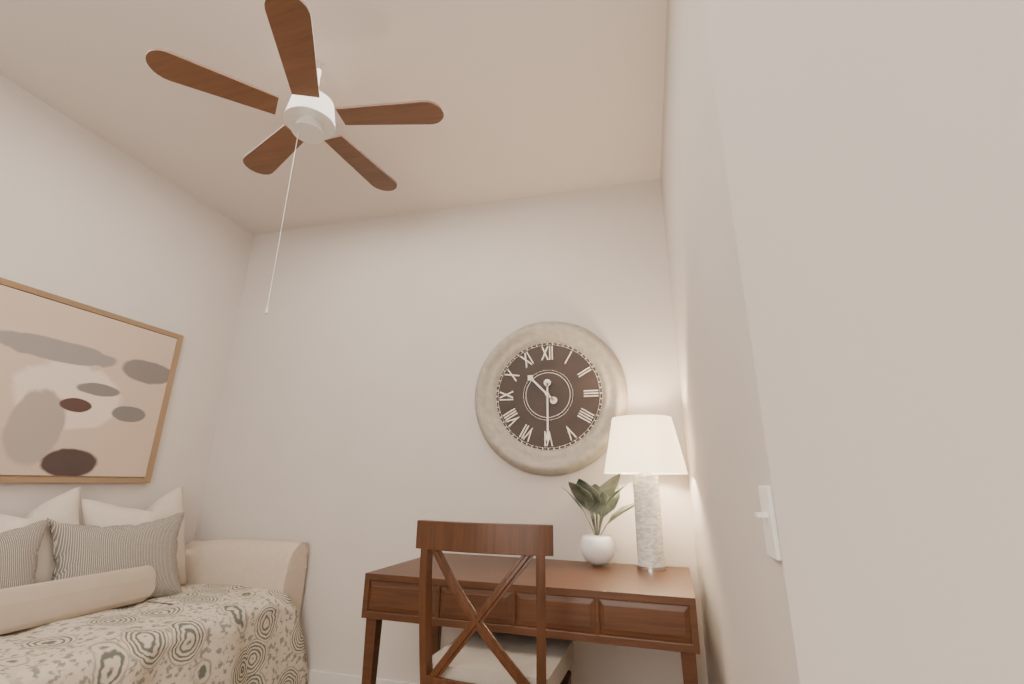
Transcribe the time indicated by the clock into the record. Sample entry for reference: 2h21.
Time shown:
10h30
